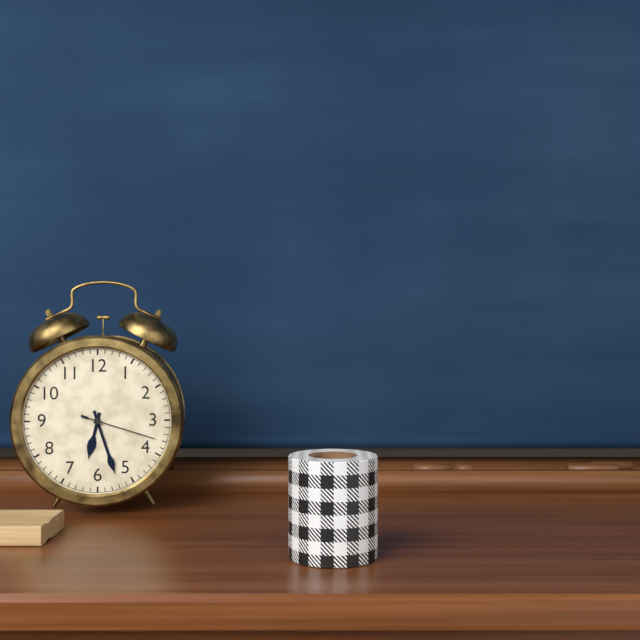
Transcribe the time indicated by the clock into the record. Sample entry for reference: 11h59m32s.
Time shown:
6h27m18s
